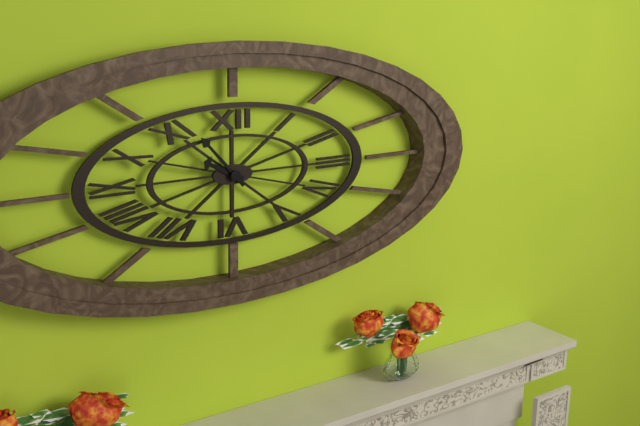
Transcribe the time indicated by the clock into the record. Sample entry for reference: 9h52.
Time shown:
9h53
